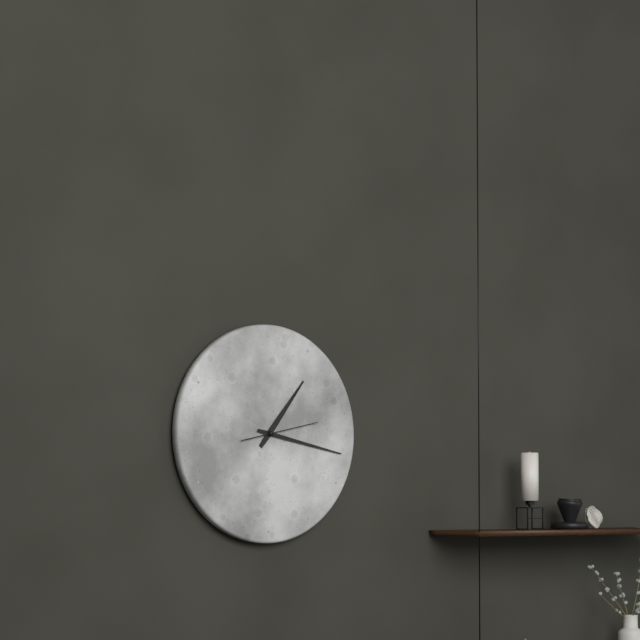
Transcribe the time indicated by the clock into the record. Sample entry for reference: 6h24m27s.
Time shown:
1h17m13s
